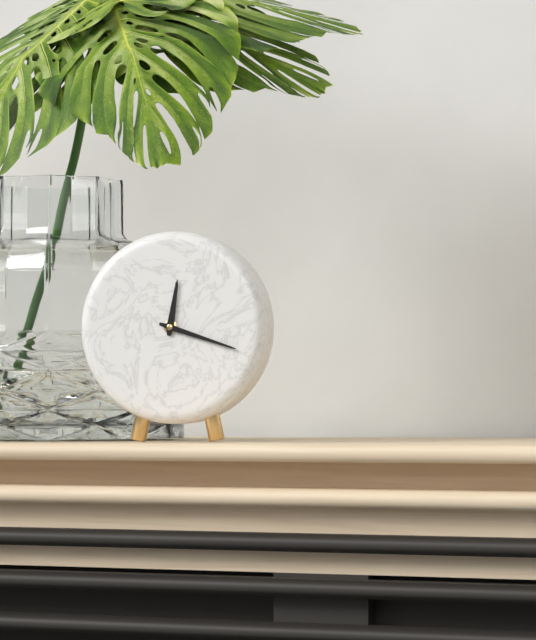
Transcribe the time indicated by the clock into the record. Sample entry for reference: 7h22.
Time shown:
12h18
